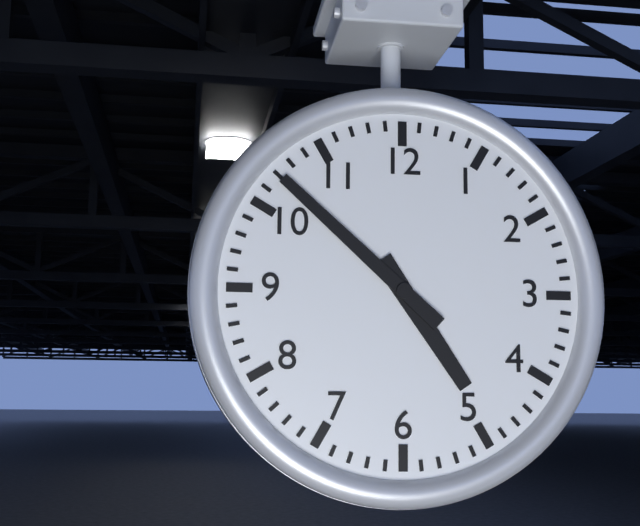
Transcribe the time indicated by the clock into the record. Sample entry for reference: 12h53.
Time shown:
4h52
